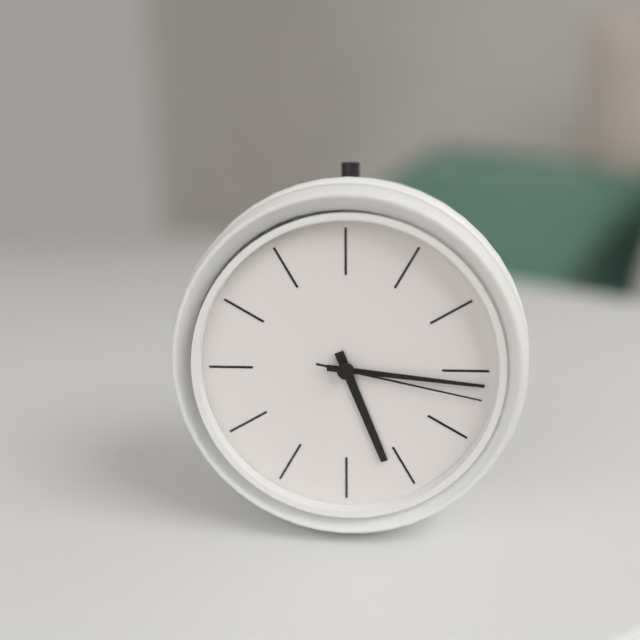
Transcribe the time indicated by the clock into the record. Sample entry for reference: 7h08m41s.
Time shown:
5h16m17s
